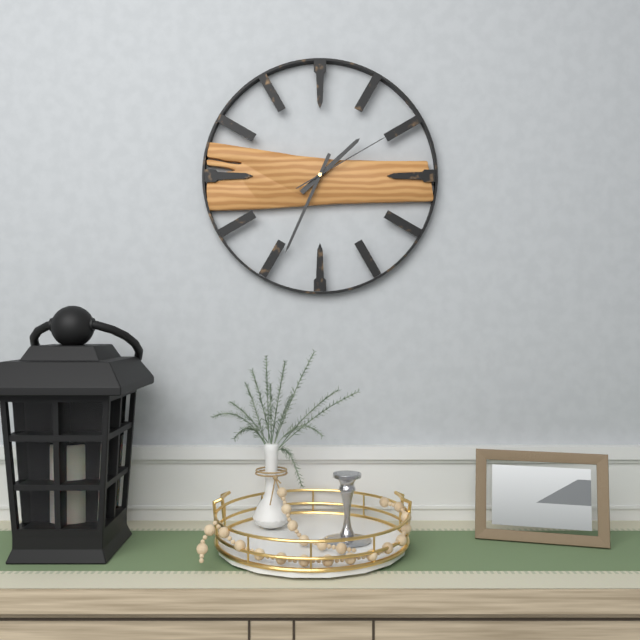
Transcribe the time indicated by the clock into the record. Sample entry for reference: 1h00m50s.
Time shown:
1h34m10s
